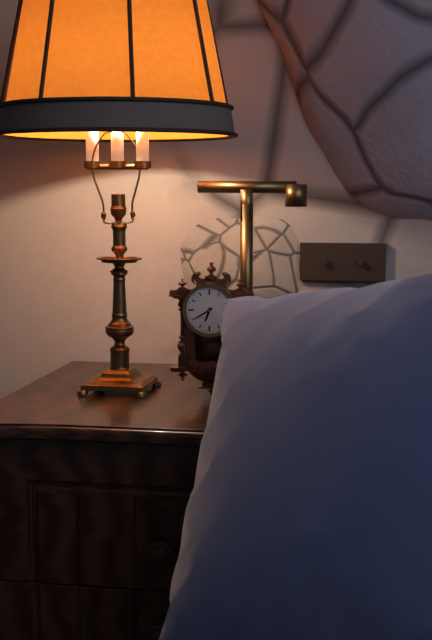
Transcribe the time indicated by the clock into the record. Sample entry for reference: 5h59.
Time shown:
6h40
